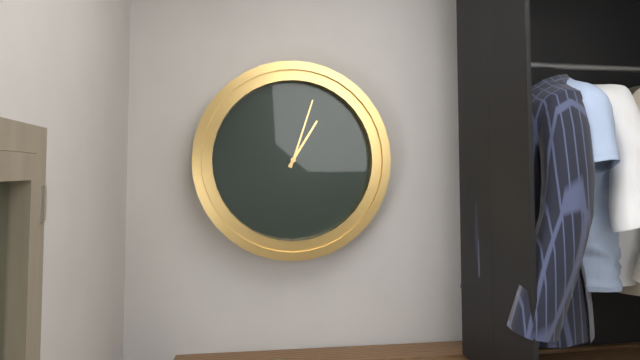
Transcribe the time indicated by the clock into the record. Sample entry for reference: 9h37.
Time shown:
1h03
